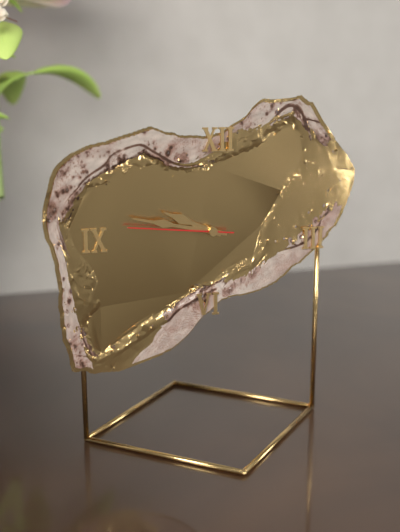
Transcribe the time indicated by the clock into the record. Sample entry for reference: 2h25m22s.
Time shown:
9h47m46s
